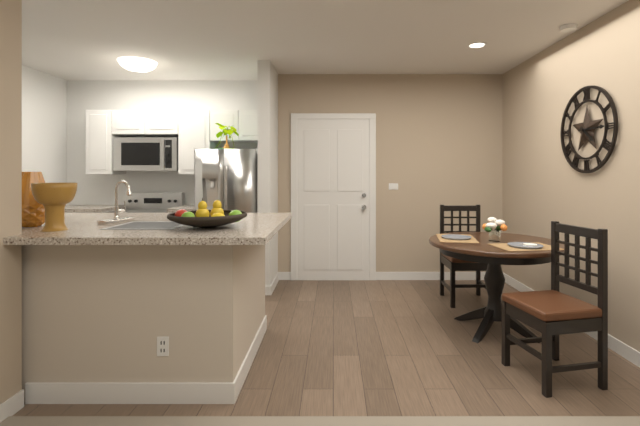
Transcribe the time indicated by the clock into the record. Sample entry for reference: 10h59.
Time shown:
4h15
